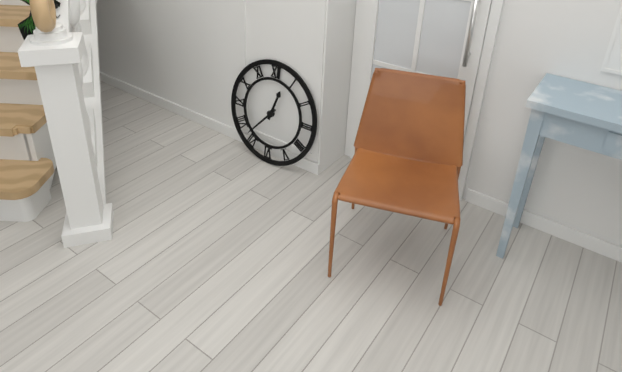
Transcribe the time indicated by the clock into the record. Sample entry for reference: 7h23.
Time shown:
12h37
